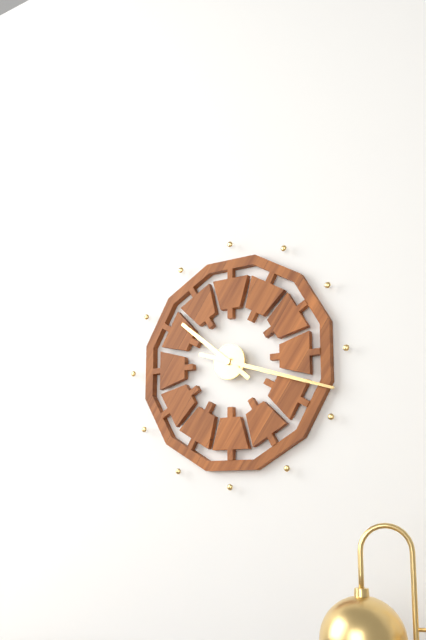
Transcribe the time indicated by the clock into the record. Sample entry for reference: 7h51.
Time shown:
10h18
